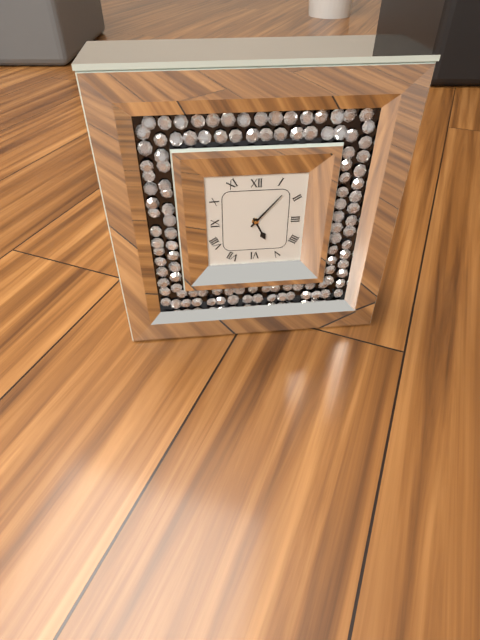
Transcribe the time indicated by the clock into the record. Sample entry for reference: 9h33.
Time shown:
5h07
